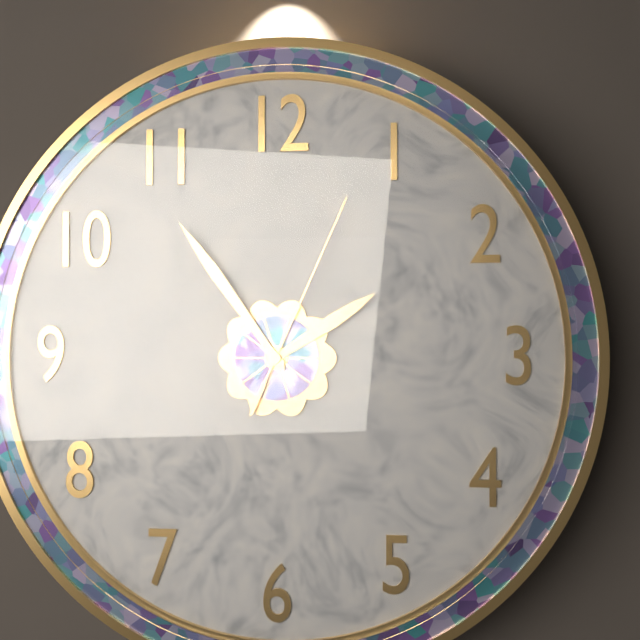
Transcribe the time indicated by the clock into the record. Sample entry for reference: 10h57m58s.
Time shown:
1h54m04s
